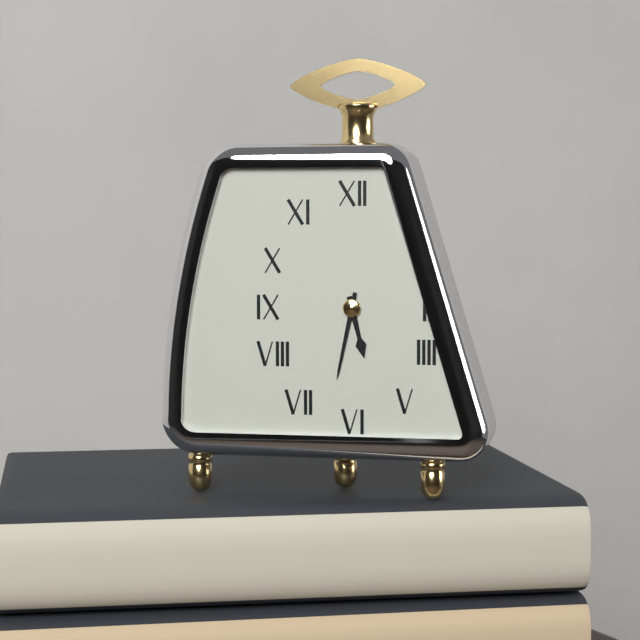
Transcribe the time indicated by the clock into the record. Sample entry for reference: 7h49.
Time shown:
5h32
